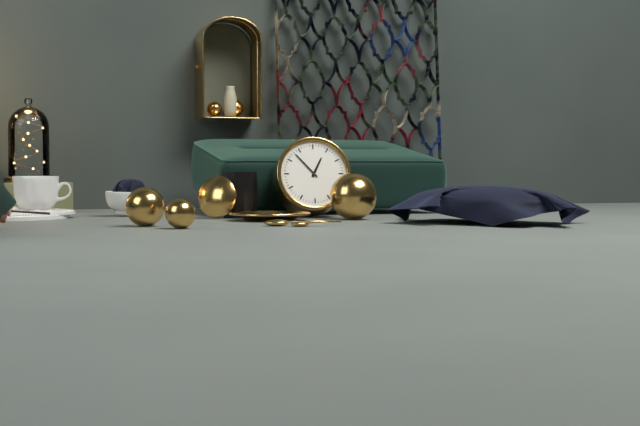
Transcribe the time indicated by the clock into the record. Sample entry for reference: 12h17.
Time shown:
12h53
